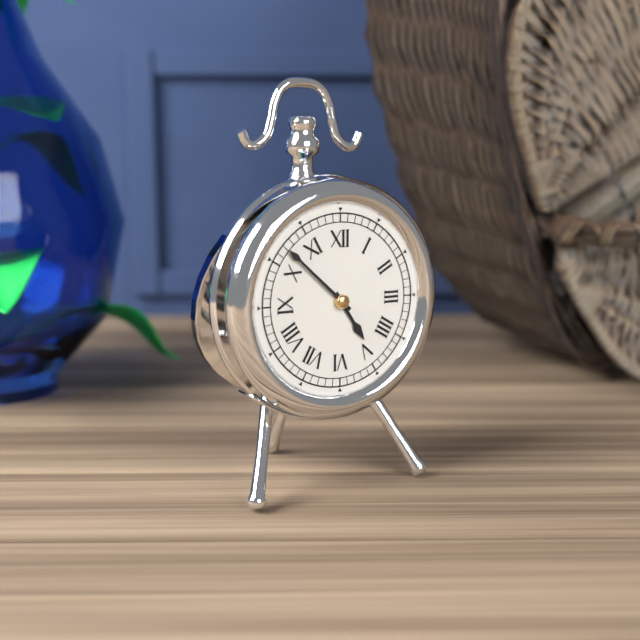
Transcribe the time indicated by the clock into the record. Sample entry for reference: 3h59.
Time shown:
4h52
